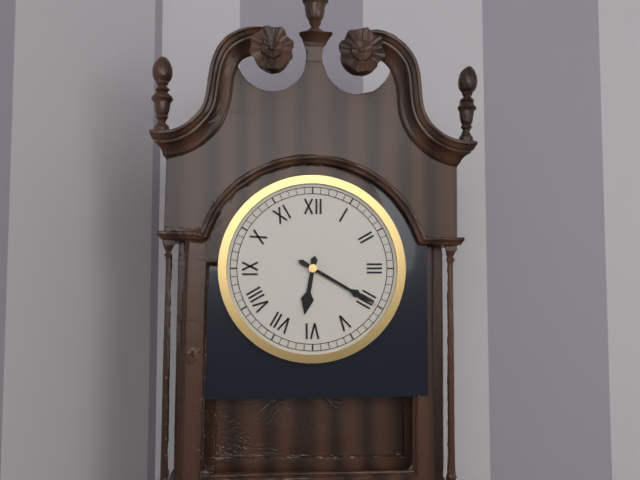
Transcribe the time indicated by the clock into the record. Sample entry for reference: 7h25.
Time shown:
6h20
